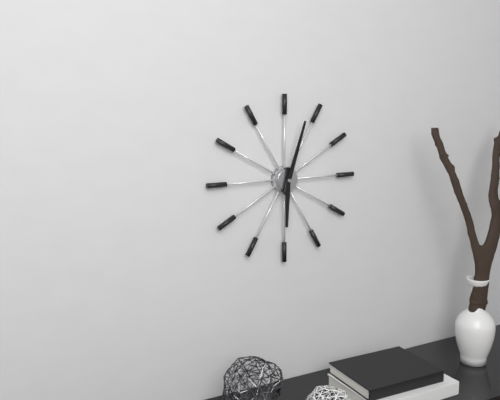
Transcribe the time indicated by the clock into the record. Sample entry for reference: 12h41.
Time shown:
6h03
